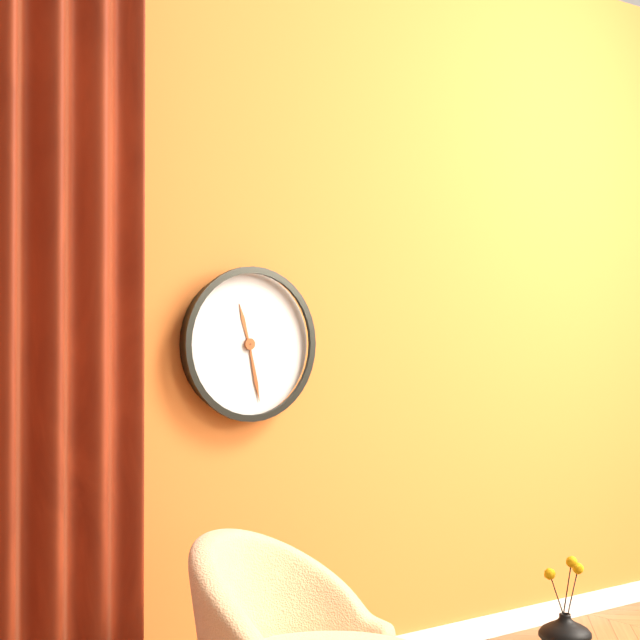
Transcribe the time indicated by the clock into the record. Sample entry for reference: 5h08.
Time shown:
11h28
